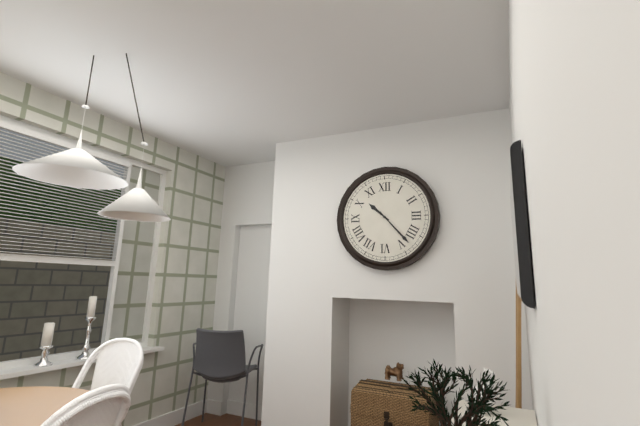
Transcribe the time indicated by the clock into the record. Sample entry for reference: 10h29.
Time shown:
10h23
